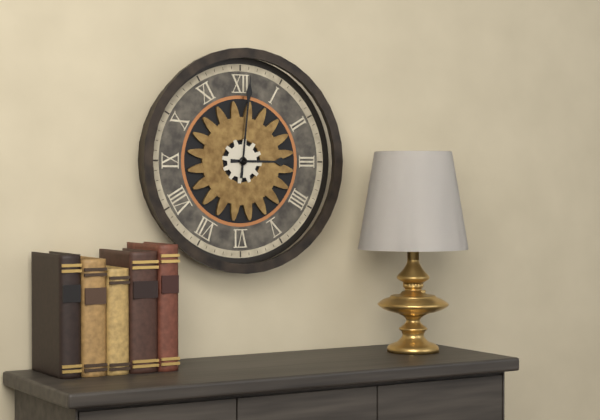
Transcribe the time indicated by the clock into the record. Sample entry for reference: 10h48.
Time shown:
3h01
